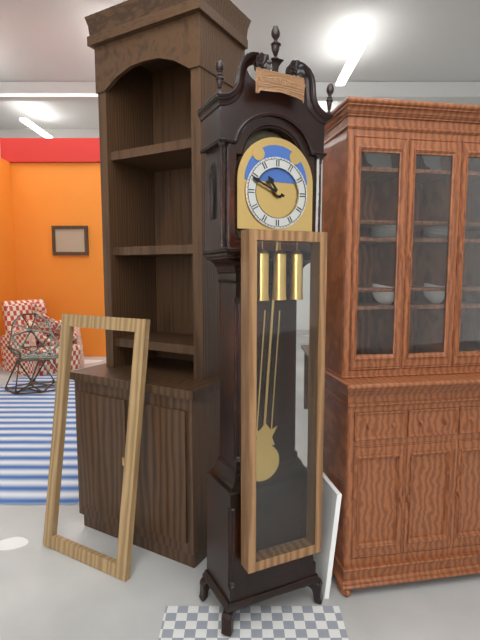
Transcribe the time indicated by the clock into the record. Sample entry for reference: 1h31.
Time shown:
10h49
